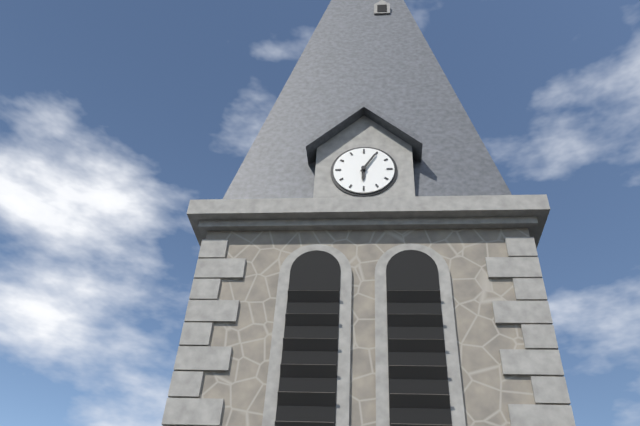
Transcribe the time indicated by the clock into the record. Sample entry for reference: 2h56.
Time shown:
6h05
